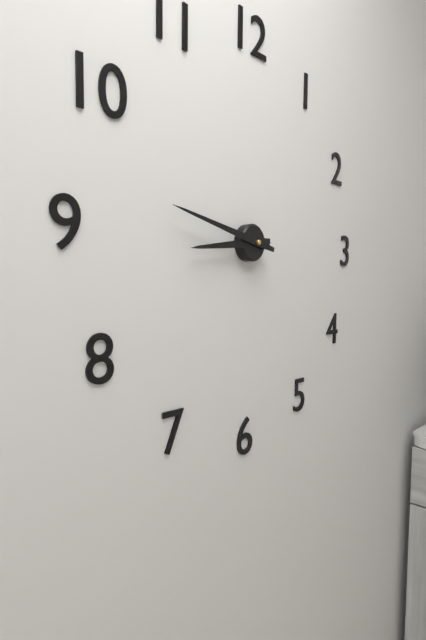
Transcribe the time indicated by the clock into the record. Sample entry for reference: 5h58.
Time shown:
8h47
